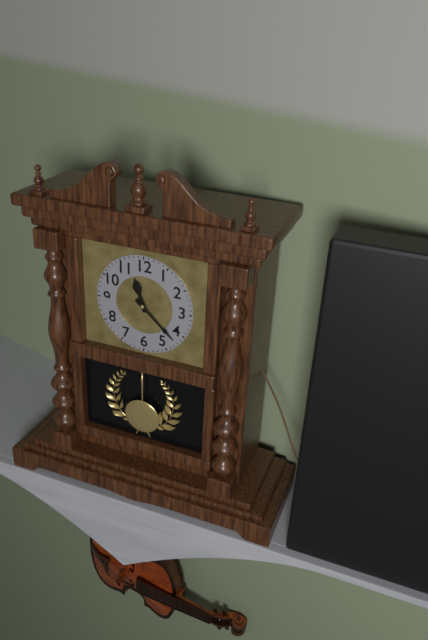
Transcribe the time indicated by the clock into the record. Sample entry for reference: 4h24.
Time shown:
11h22
